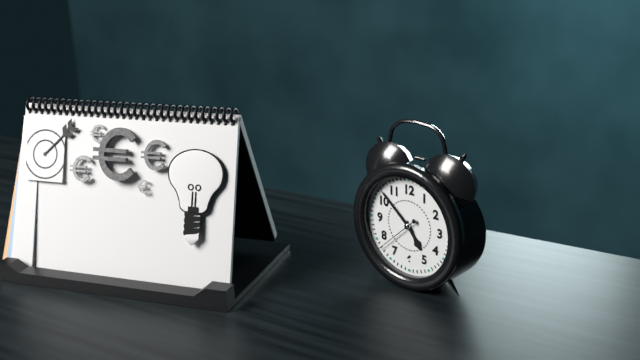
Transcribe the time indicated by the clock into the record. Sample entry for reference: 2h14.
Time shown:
4h52
